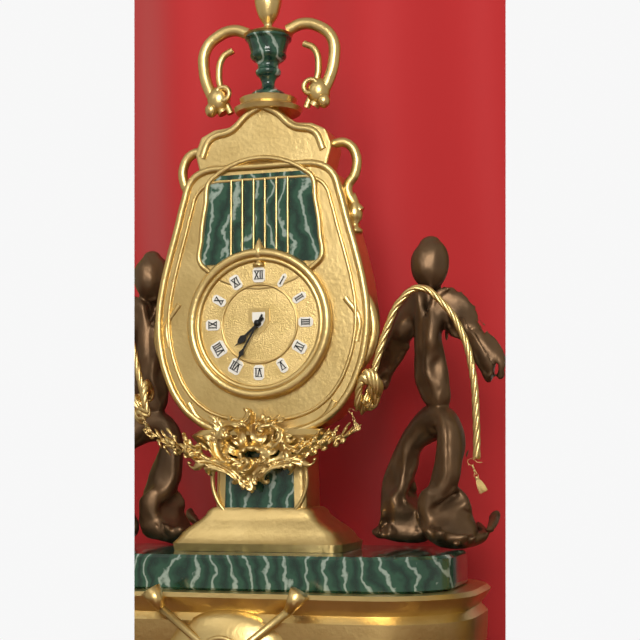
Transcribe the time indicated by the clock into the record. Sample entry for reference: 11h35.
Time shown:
7h35
